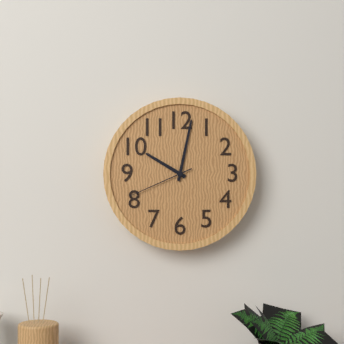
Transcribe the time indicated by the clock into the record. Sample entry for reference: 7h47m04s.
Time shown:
10h02m41s
